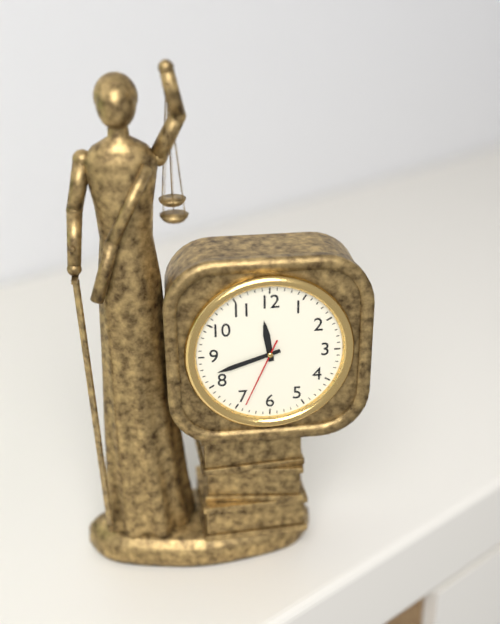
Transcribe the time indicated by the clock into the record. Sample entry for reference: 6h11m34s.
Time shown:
11h42m34s
